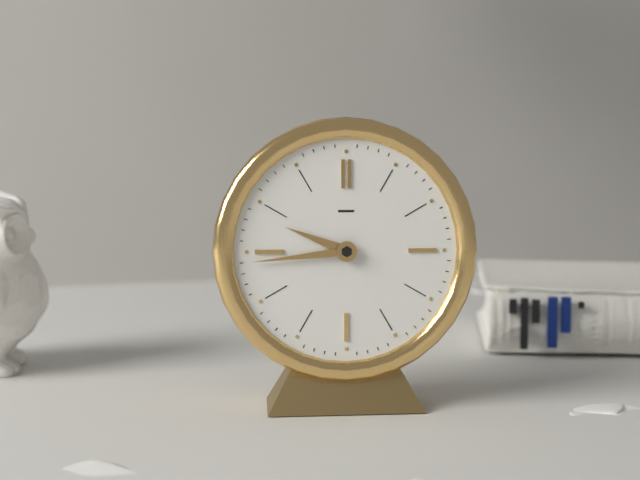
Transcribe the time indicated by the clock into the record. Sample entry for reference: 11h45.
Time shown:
9h44
